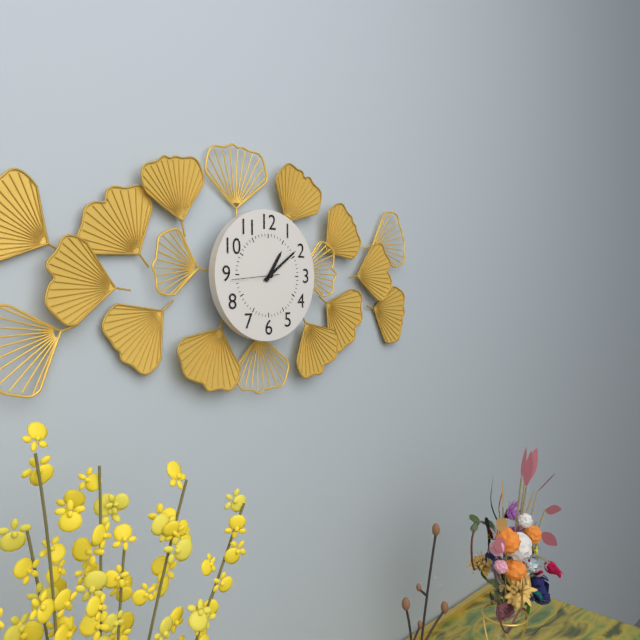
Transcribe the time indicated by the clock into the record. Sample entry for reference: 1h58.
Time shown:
1h09
